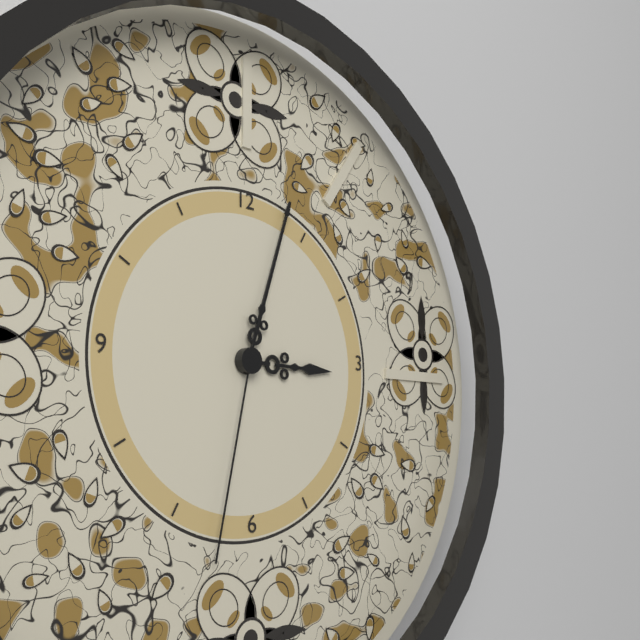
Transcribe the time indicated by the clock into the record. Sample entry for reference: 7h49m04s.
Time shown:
3h03m32s
